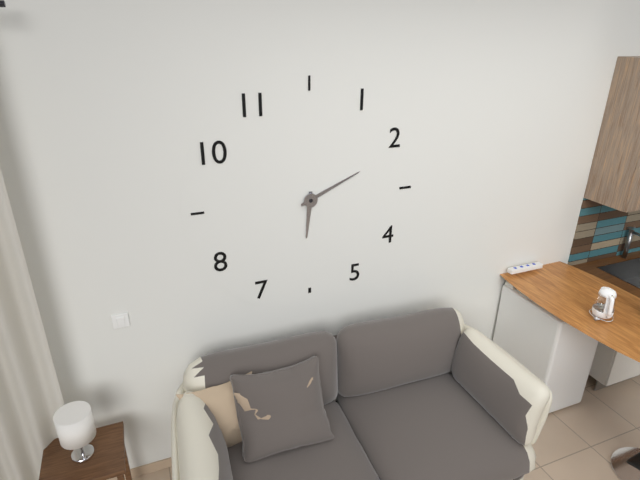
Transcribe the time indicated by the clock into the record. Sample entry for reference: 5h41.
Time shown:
6h11
